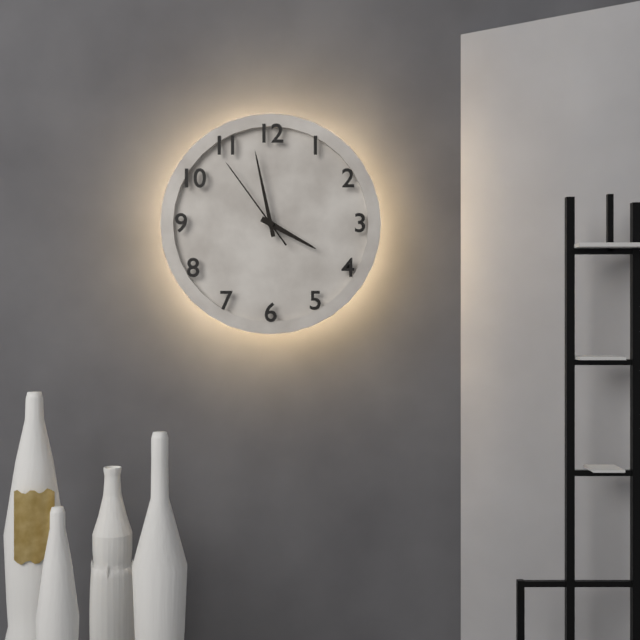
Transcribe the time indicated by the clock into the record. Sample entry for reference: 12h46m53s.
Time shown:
3h58m54s
